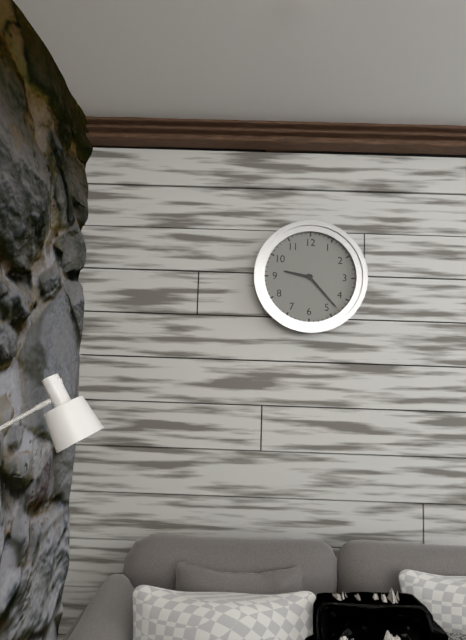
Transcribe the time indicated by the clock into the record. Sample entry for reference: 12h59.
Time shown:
9h23
